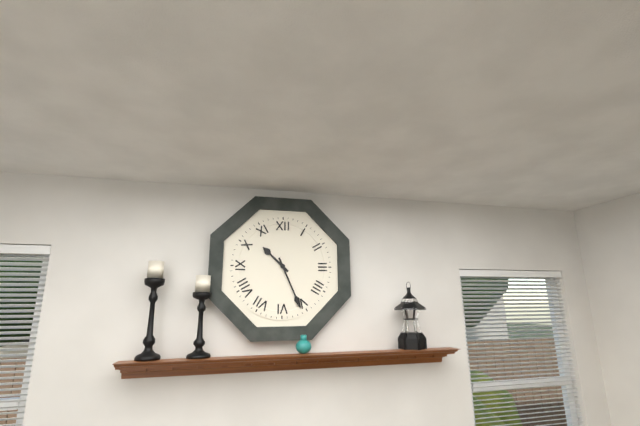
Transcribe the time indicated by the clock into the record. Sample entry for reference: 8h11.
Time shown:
10h26
